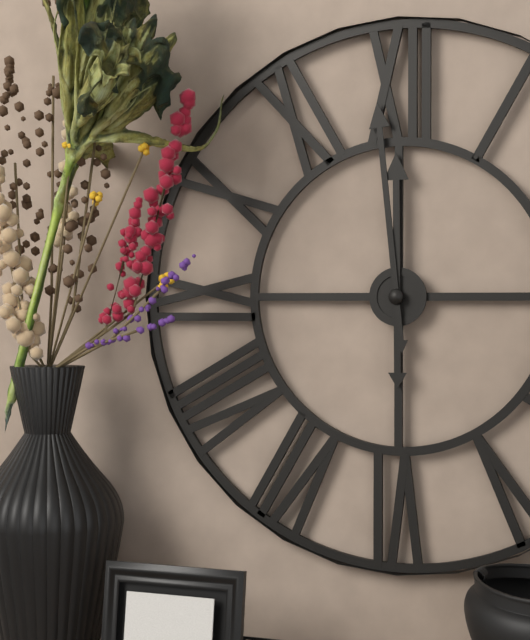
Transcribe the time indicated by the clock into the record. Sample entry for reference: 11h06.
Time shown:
11h59
